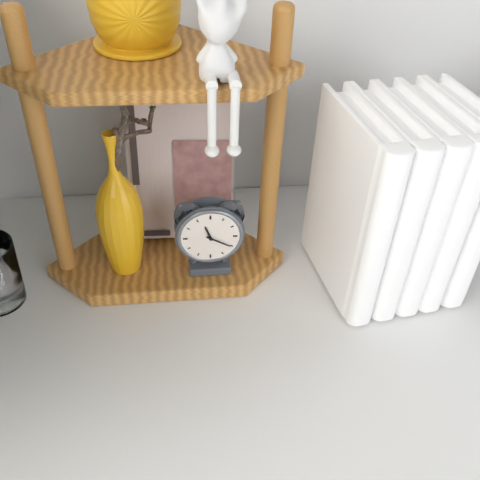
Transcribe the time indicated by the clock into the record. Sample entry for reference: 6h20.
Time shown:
11h20
